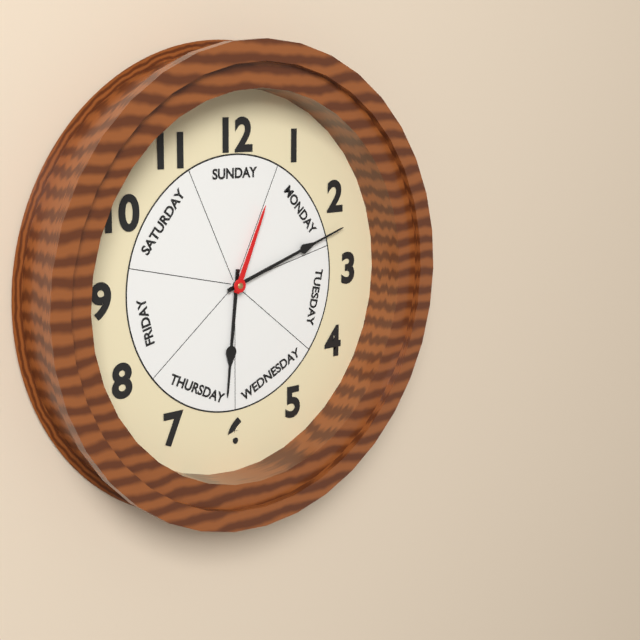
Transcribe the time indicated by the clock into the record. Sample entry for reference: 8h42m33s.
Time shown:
6h12m04s
